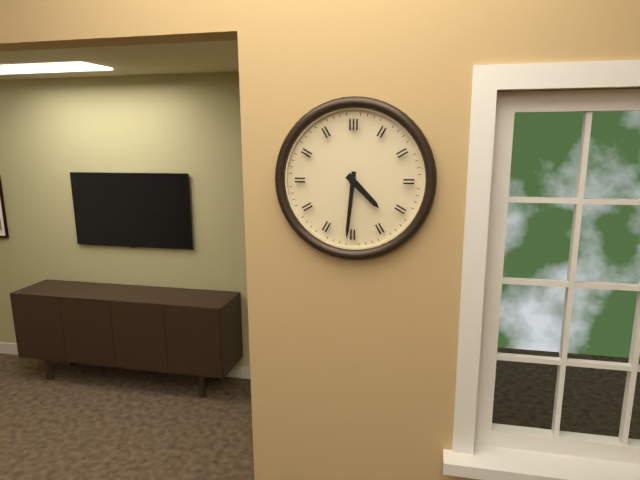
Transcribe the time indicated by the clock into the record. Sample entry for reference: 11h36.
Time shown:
4h31
